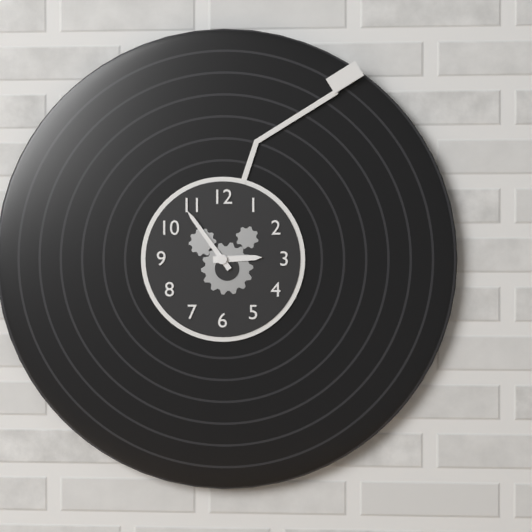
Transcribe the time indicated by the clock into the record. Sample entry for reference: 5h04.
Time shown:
2h54
